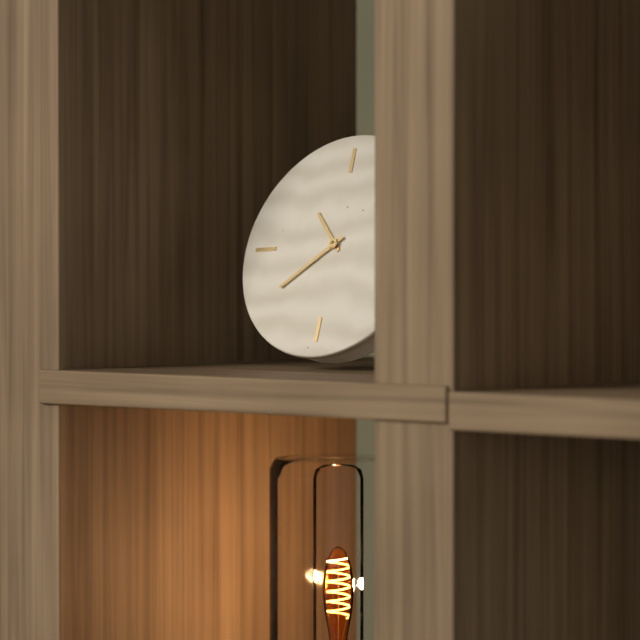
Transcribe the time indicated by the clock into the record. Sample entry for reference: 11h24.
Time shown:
10h39
